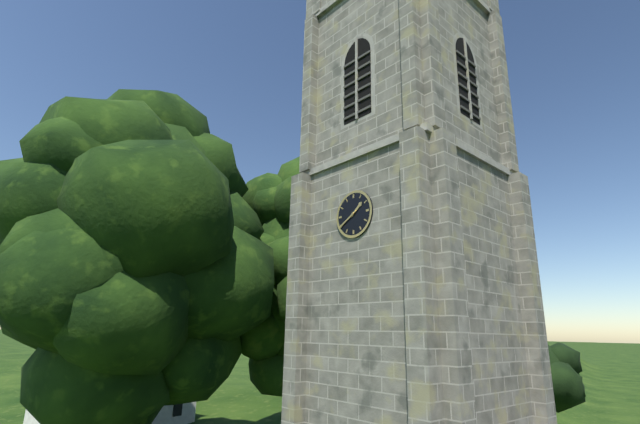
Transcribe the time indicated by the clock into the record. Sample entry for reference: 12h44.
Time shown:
1h40
